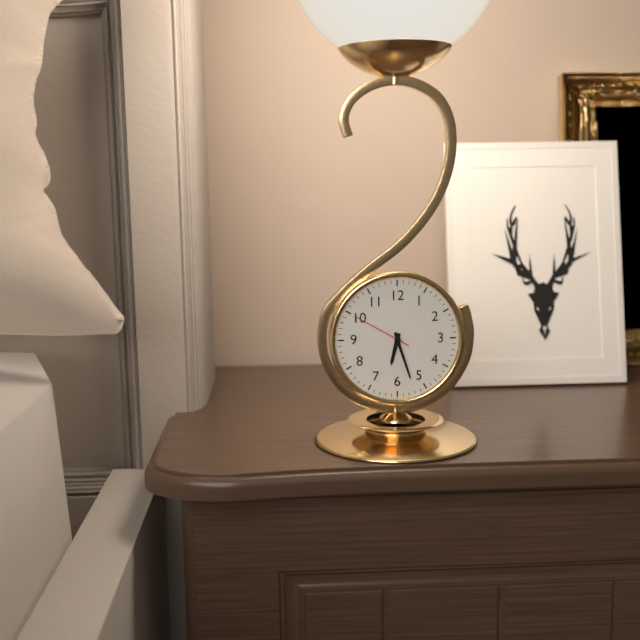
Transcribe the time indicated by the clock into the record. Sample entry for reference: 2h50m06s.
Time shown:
6h27m50s
